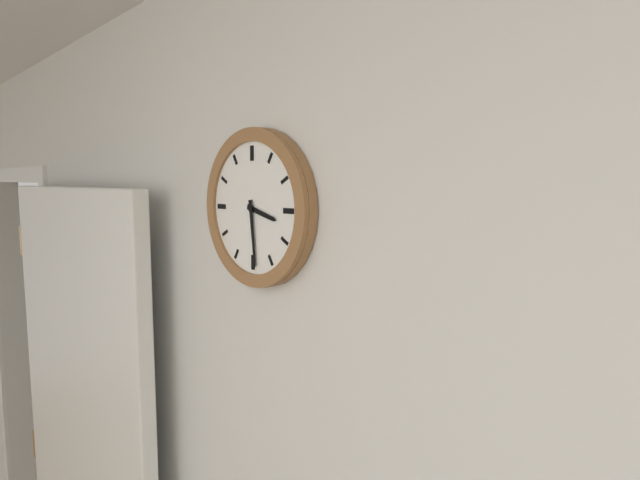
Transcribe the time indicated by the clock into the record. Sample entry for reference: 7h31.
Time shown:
3h29
